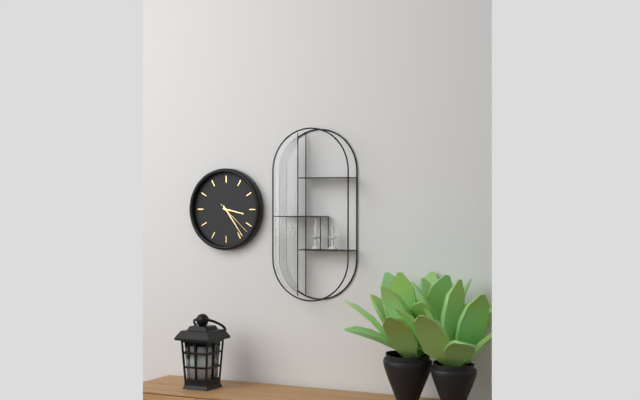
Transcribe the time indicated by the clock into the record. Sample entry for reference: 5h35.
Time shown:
3h24
